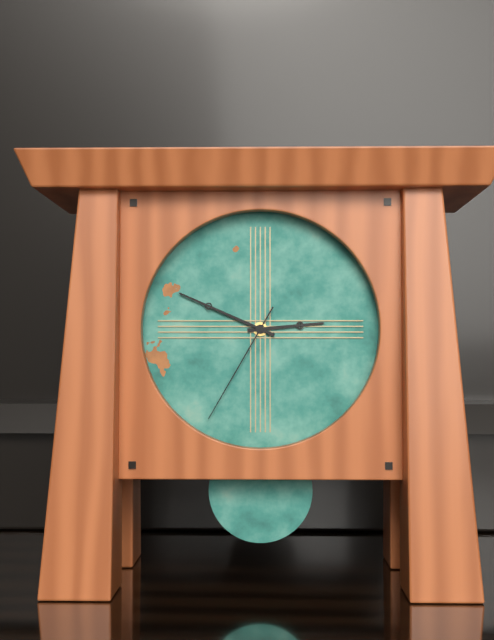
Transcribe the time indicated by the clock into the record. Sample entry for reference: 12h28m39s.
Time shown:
2h49m35s
